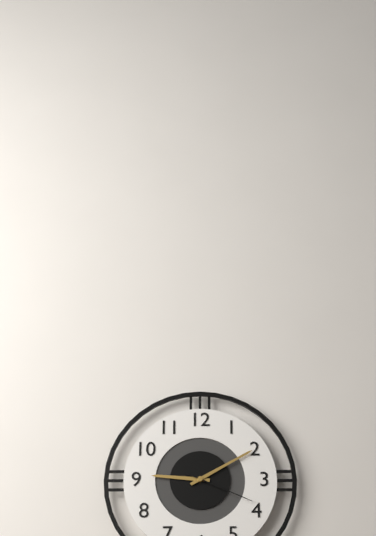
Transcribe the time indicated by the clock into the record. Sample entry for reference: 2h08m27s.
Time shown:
9h10m19s
